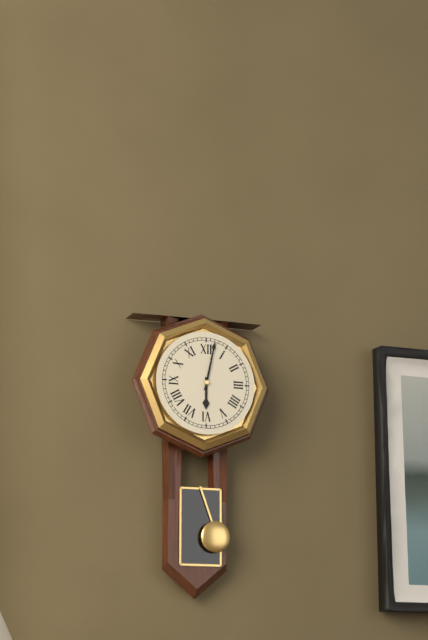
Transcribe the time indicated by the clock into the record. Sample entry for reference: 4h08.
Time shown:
6h02
